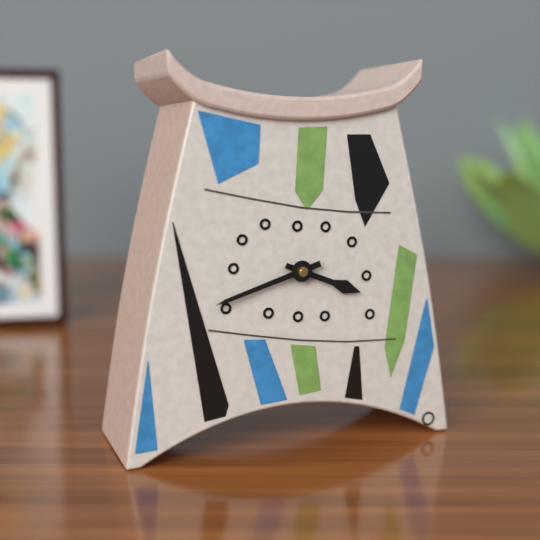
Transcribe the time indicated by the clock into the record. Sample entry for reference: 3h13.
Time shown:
3h42
